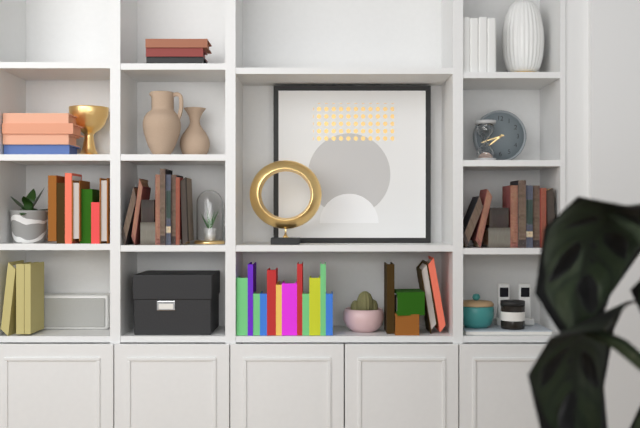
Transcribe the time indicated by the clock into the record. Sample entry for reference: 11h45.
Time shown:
7h42
